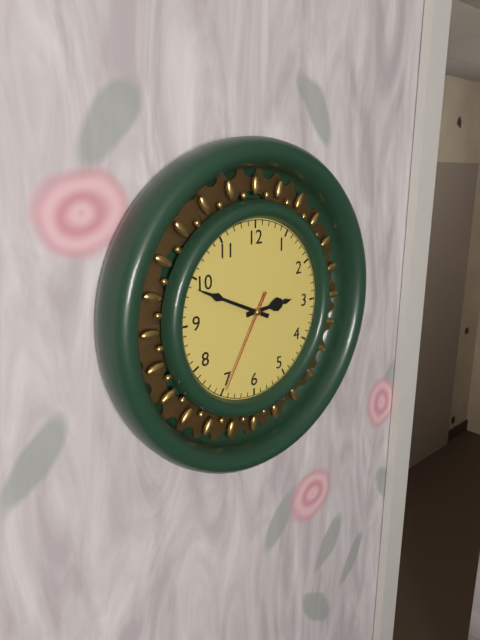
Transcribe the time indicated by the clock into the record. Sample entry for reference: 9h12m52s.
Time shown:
2h49m35s
